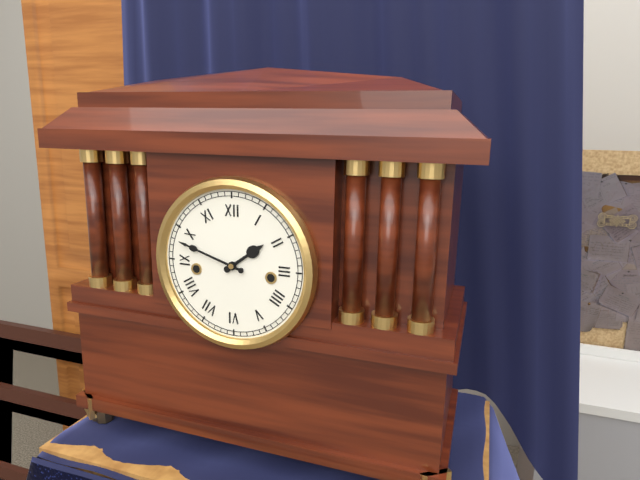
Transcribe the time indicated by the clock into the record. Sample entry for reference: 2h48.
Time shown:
1h48
